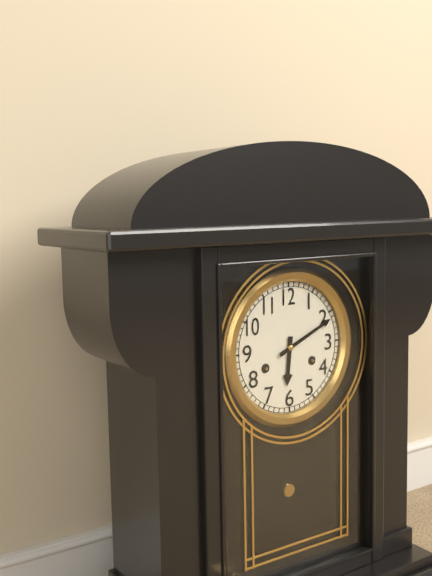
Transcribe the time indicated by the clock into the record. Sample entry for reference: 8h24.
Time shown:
6h11
